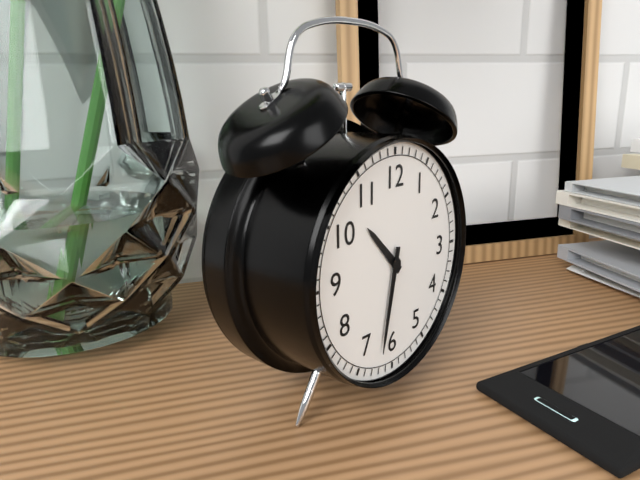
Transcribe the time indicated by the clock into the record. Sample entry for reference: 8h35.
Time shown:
10h32
